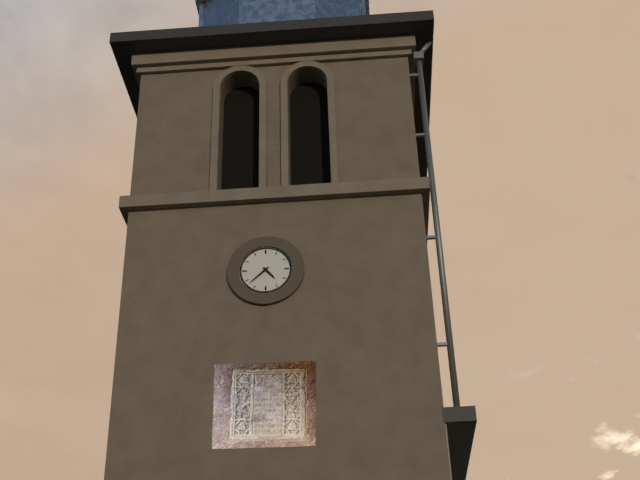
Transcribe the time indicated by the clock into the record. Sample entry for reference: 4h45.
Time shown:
4h38
